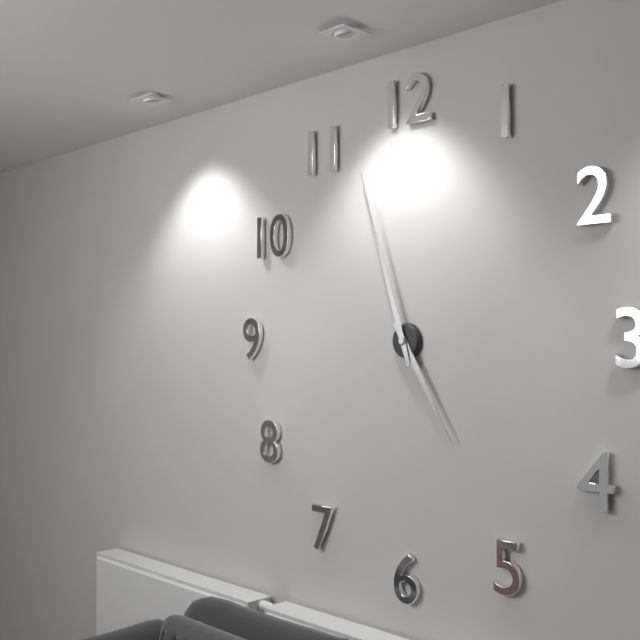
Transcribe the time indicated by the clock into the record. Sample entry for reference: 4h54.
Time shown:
4h57
